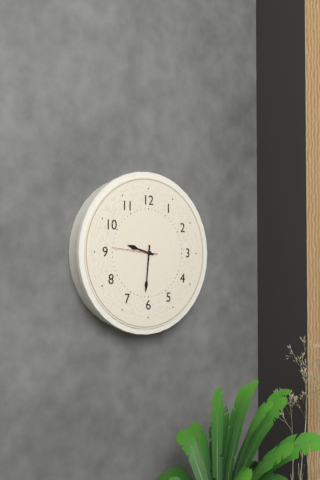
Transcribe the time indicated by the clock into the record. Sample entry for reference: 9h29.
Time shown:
9h31
